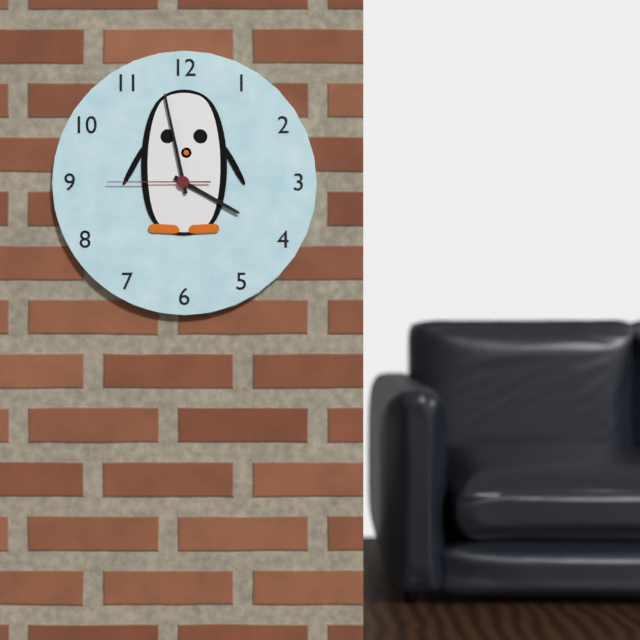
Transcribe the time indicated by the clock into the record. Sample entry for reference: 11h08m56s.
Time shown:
3h58m45s
